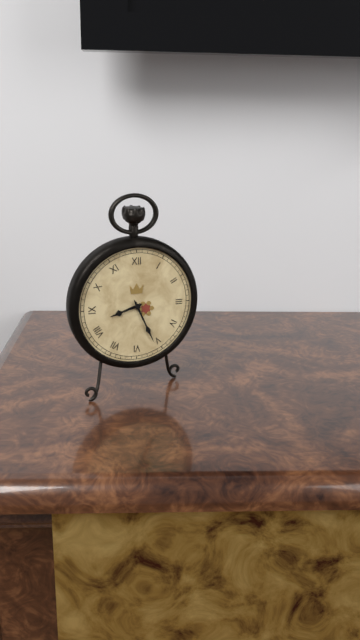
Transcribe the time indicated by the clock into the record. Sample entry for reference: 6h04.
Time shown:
8h26
